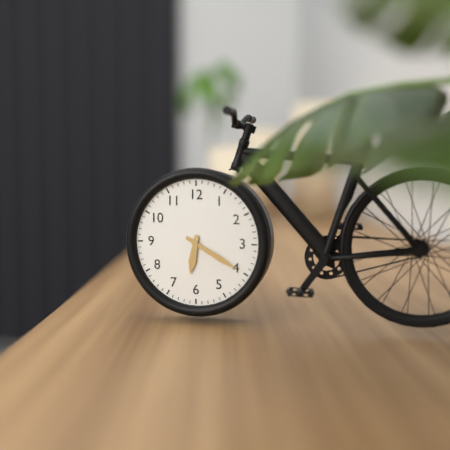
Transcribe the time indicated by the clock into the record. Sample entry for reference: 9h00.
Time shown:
6h20
